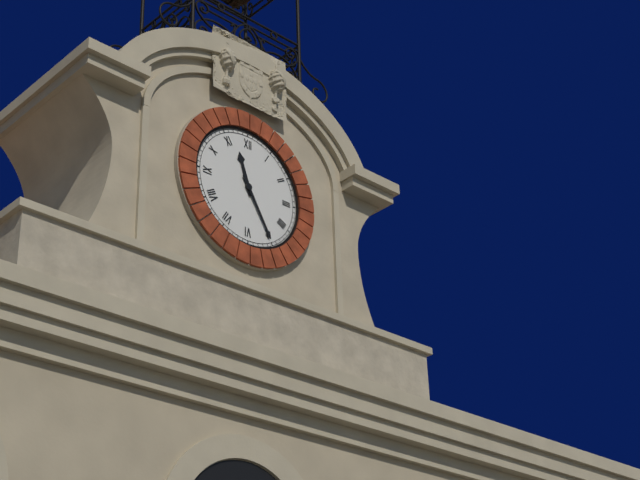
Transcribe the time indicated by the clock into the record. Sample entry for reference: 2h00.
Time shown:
11h25
